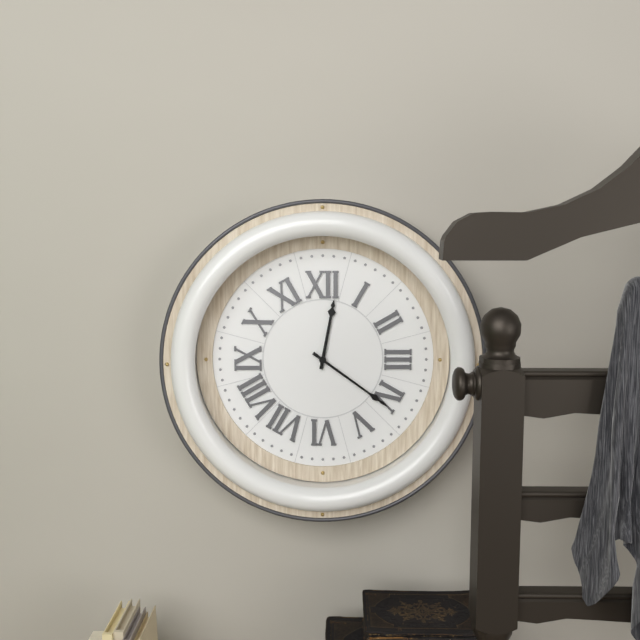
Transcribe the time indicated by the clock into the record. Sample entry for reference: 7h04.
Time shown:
12h21
